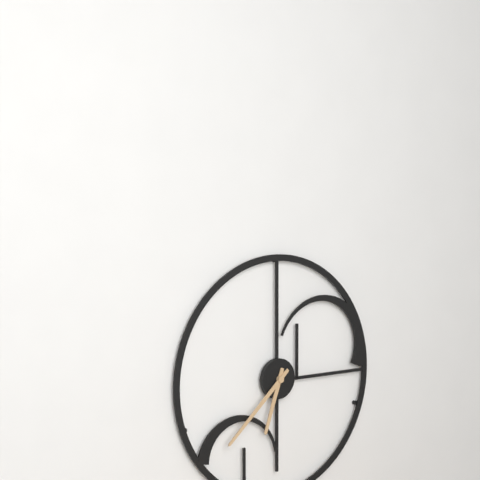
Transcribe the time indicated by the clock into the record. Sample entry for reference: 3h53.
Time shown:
6h38
